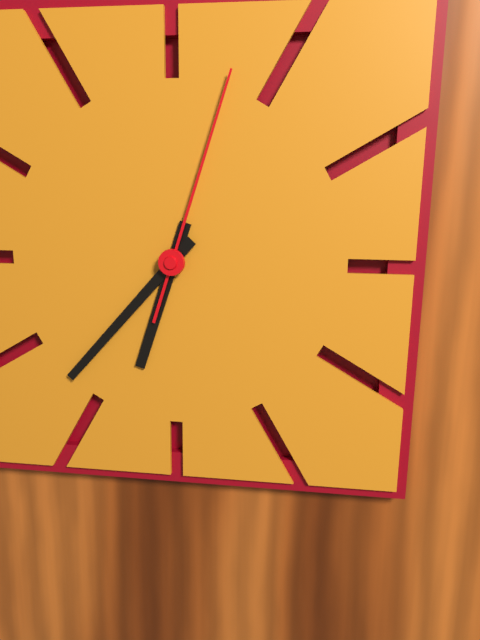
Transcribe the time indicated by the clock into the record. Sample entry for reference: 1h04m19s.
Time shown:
6h37m03s
